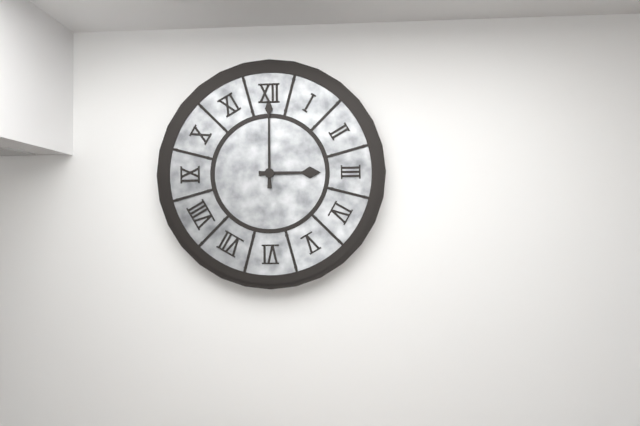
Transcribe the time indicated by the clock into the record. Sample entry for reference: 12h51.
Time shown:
3h00
